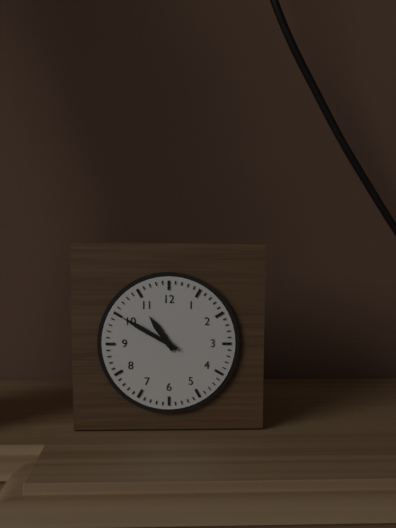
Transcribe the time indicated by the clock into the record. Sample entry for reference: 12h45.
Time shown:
10h50
